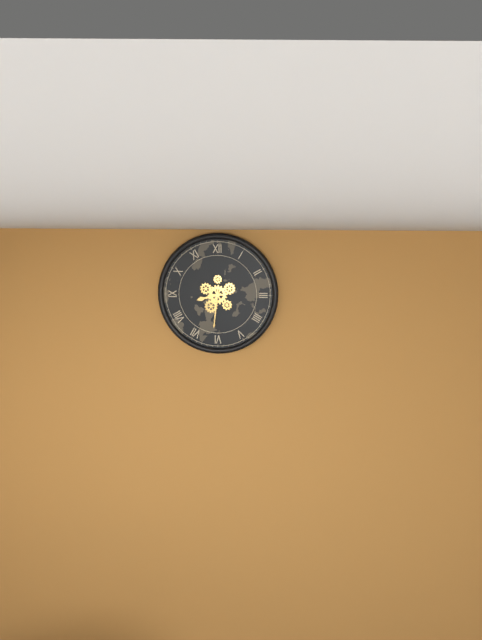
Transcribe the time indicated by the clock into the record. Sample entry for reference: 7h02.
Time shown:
8h31
